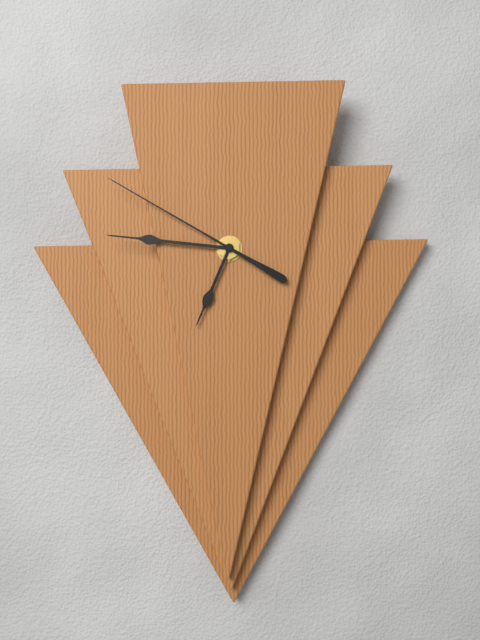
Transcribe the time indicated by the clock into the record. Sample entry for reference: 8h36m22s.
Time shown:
6h46m50s
